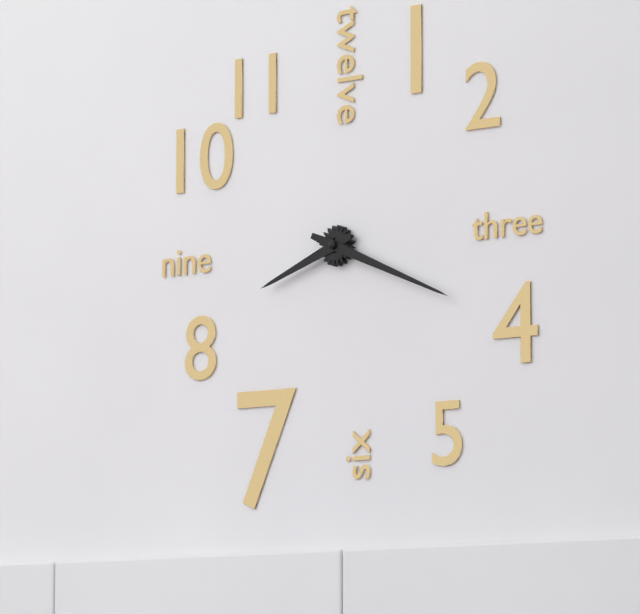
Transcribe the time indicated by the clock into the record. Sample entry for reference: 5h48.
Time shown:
8h19
